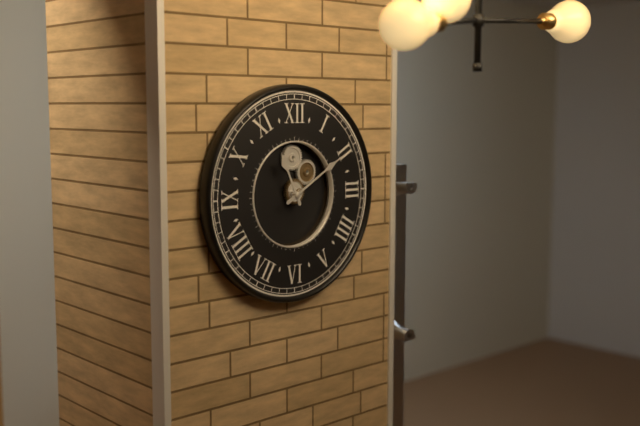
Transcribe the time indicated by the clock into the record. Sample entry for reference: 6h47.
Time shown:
11h10
